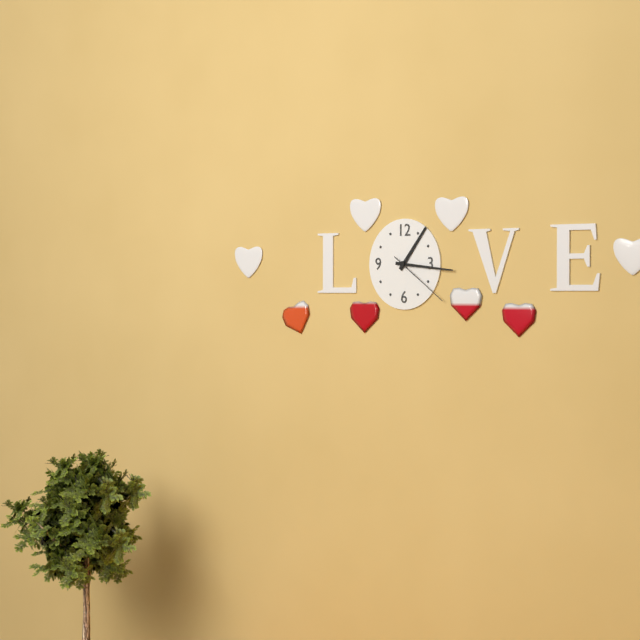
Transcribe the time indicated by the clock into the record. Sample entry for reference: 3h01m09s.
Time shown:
1h16m21s
